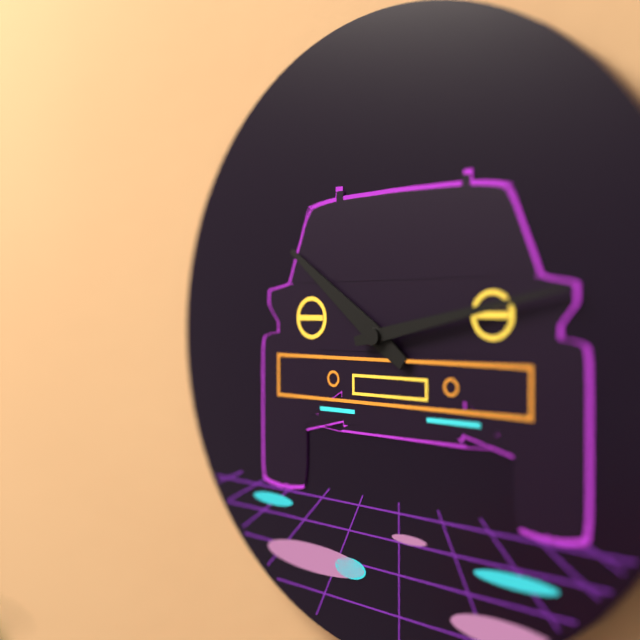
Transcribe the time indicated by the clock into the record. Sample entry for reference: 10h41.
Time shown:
10h13
